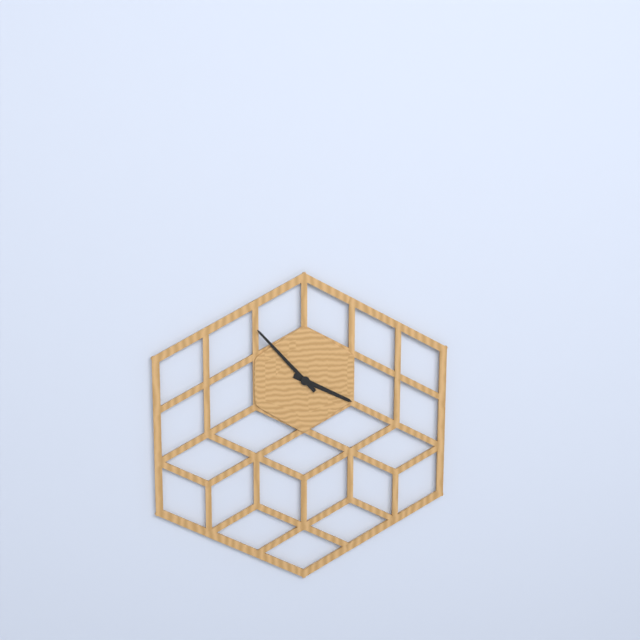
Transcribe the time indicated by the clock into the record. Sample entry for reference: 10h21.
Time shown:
3h53
